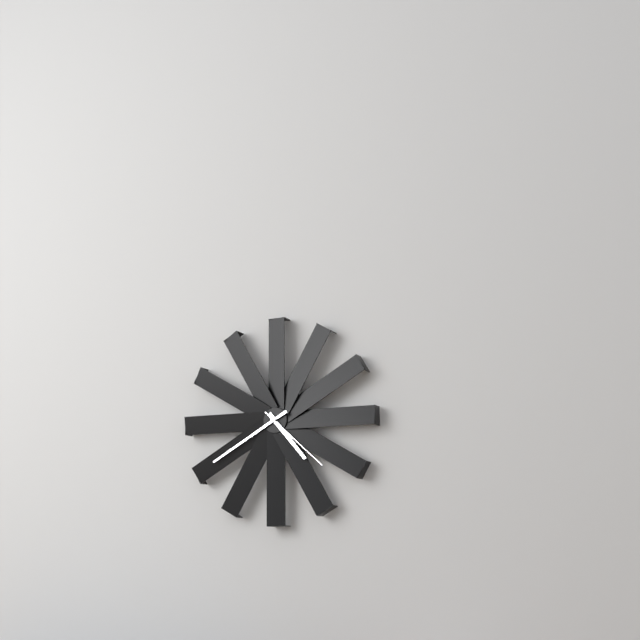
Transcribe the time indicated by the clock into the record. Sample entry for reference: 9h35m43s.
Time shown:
4h40m22s
